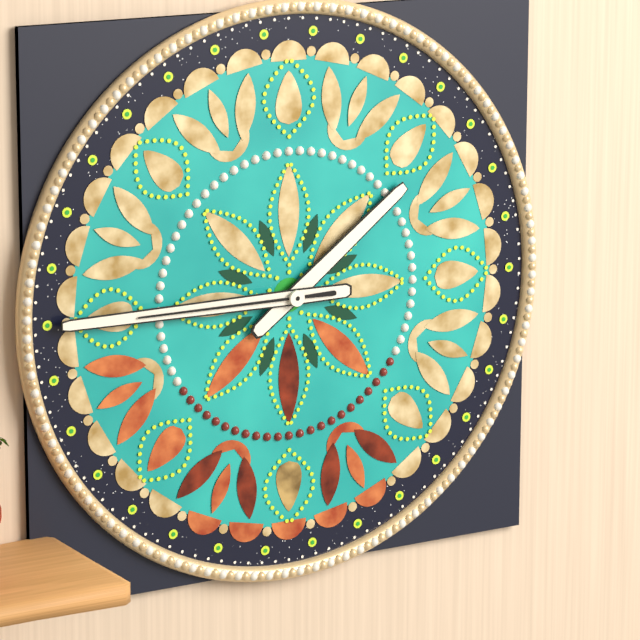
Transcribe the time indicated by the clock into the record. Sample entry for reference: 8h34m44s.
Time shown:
1h45m45s
